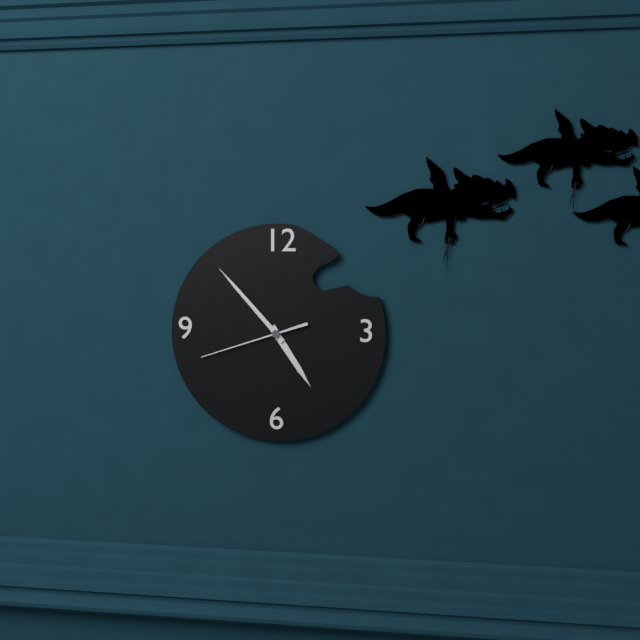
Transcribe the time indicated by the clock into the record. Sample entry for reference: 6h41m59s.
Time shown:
4h53m42s
